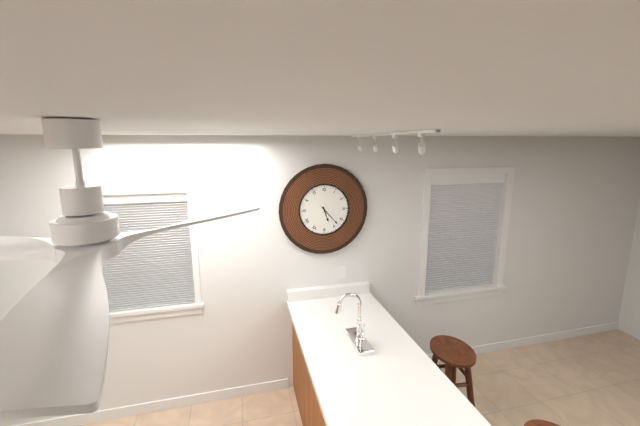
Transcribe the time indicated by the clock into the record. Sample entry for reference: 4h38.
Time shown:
5h23
